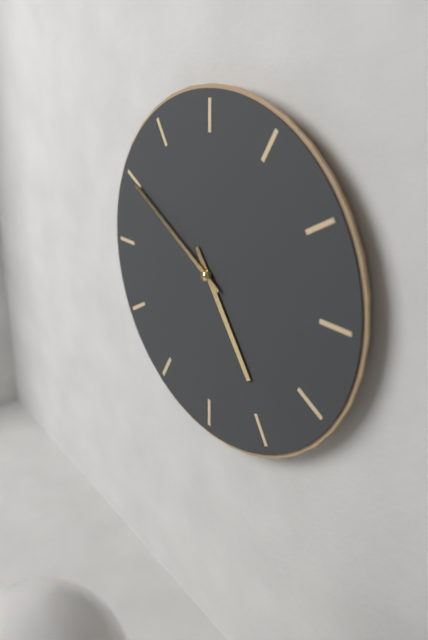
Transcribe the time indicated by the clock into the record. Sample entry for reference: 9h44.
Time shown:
4h50
